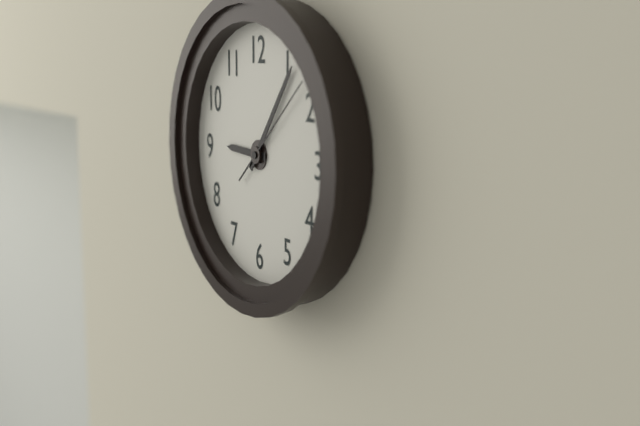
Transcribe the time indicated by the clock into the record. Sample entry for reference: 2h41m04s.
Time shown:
9h06m08s
